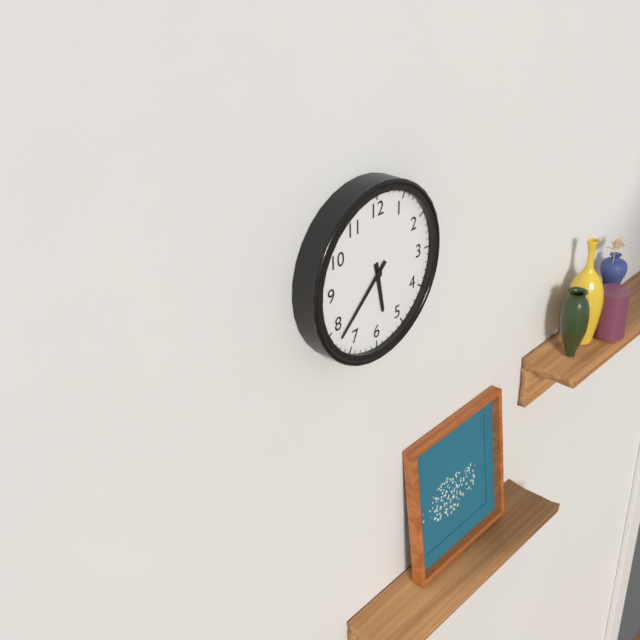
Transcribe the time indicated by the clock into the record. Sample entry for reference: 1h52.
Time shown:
5h38
